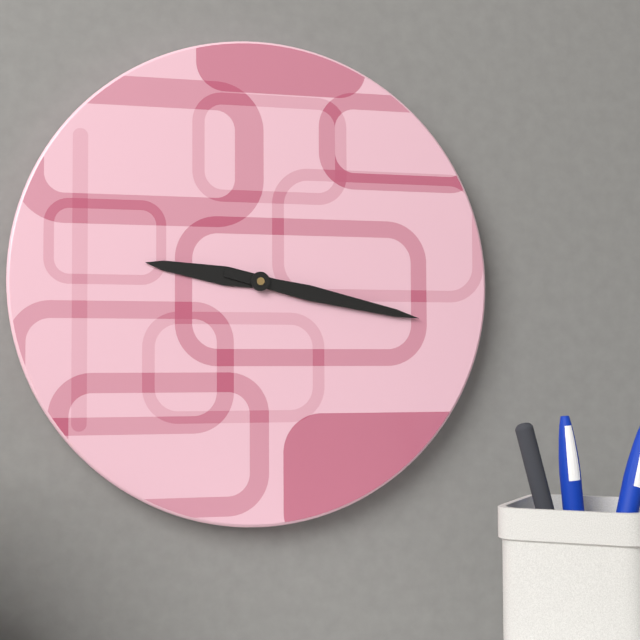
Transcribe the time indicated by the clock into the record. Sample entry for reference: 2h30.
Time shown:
9h17
